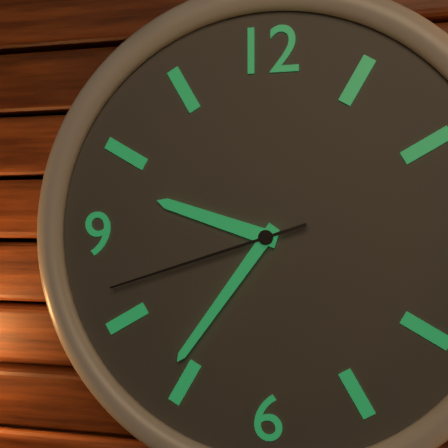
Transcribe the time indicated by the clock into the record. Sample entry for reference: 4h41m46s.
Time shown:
9h36m42s
